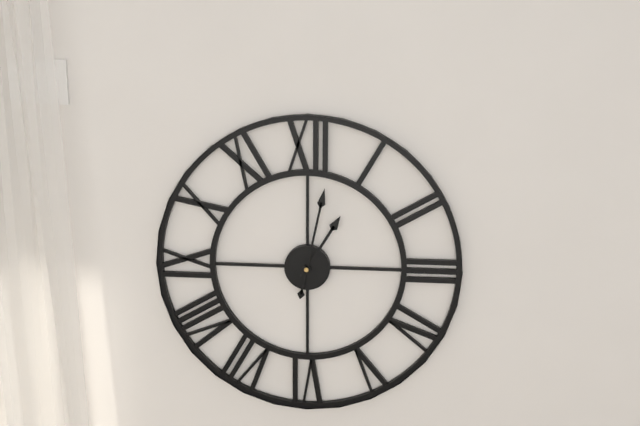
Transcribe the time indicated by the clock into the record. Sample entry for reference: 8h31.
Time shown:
1h02
